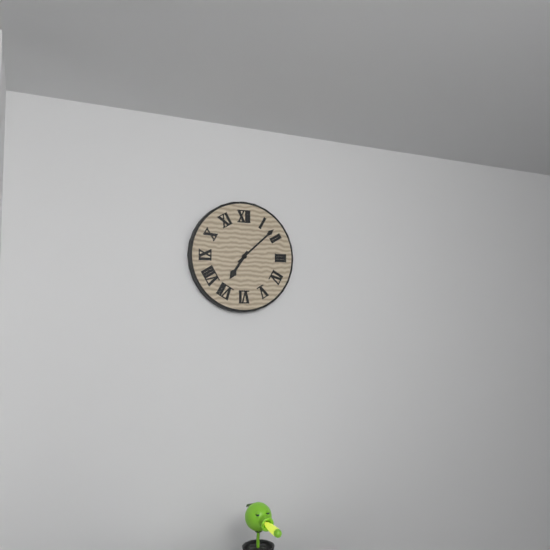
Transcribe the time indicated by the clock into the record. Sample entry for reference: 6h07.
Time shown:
7h08
